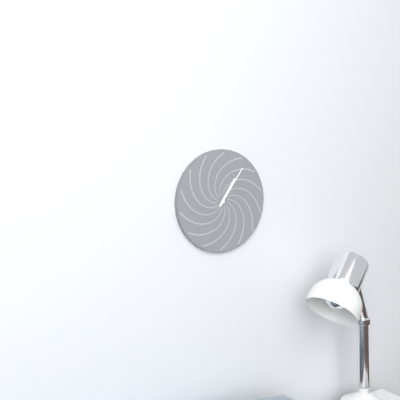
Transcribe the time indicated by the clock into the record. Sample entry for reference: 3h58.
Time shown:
1h06
